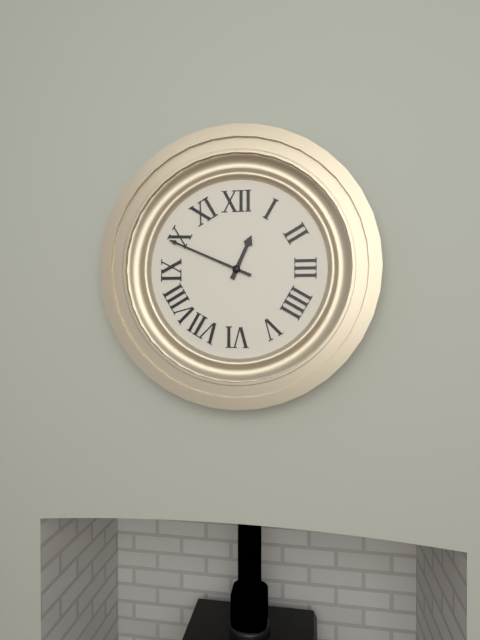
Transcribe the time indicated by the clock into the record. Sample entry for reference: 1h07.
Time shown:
12h49
